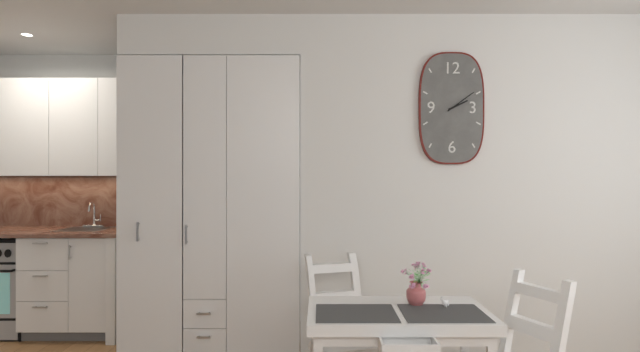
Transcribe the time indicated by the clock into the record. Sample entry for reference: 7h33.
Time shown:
2h09
